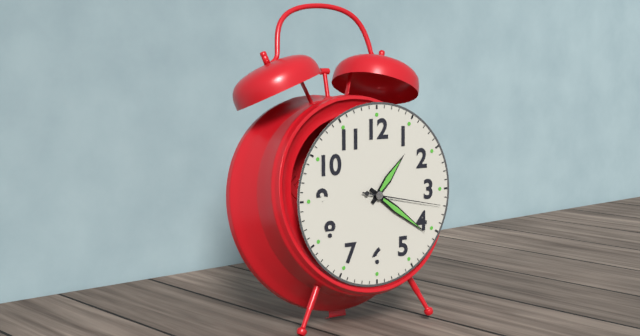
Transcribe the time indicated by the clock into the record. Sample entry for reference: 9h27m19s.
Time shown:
1h21m17s
